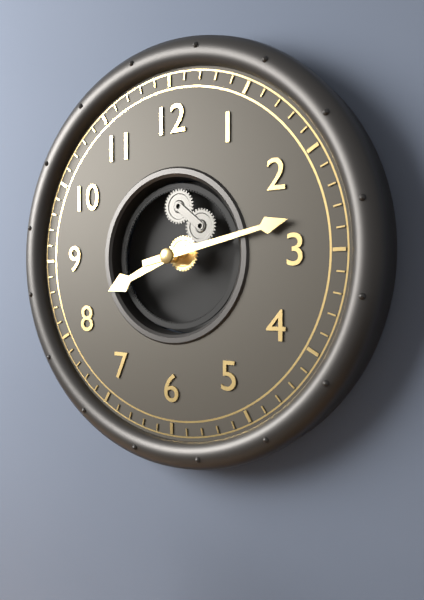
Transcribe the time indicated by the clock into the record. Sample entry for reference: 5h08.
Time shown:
8h13
